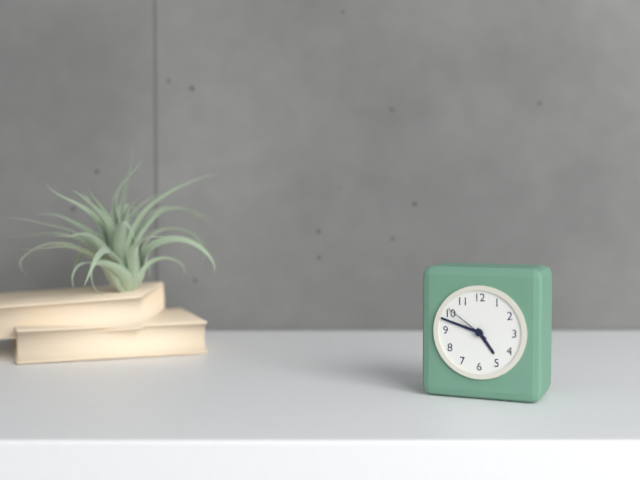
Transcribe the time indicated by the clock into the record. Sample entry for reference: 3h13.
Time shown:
4h48
